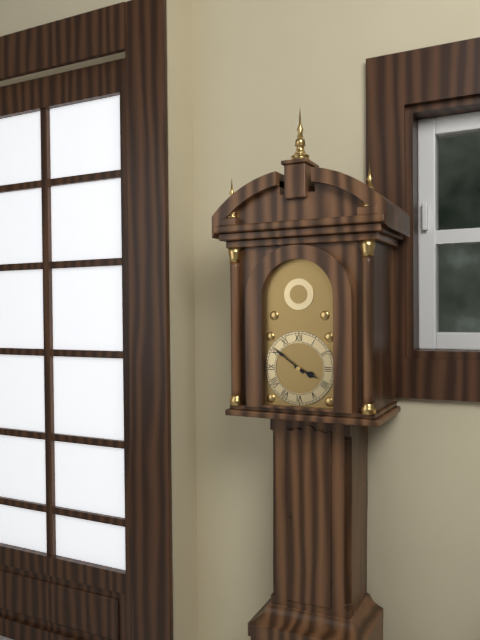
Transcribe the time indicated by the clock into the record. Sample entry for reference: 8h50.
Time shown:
3h51
